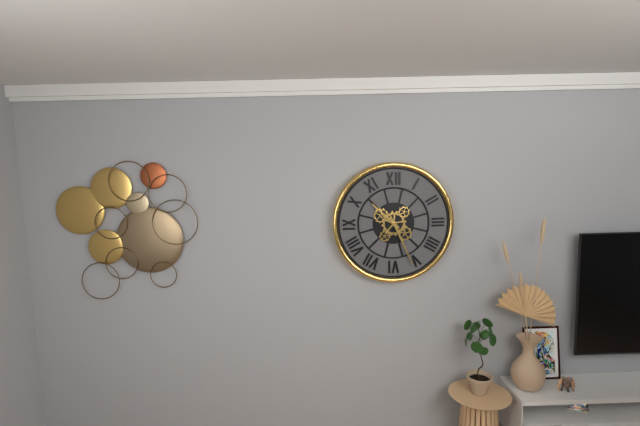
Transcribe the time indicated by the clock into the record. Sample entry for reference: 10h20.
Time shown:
10h26
